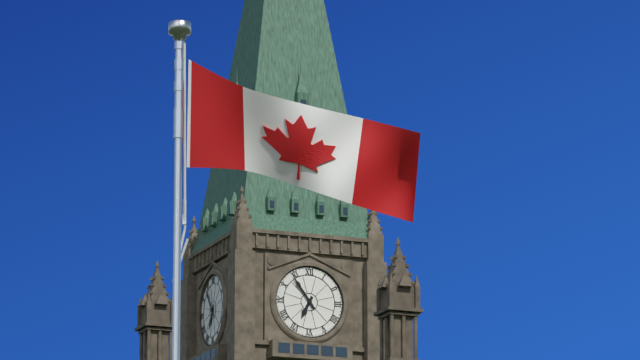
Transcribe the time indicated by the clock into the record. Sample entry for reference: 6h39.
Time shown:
6h54
